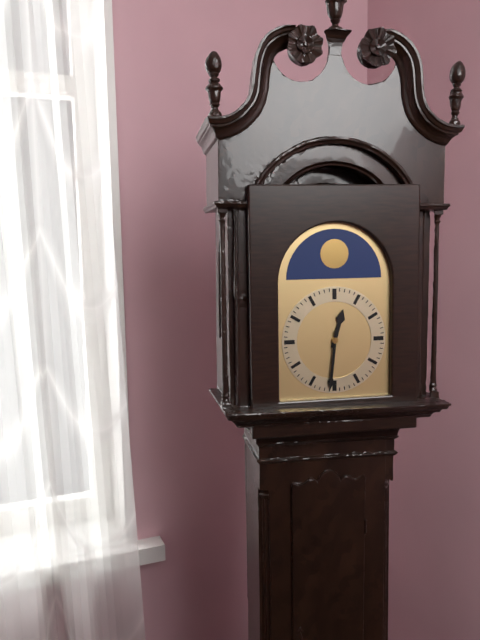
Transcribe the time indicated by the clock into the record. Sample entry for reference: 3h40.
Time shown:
12h31
